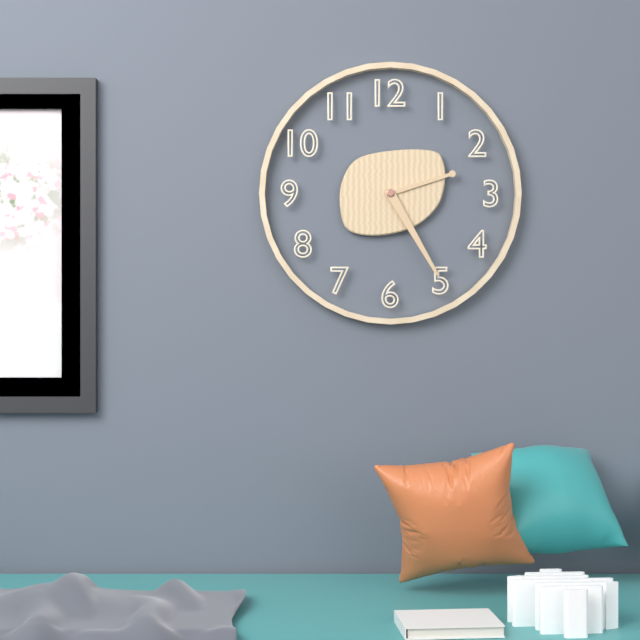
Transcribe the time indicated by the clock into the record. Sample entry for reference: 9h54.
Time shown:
2h25
